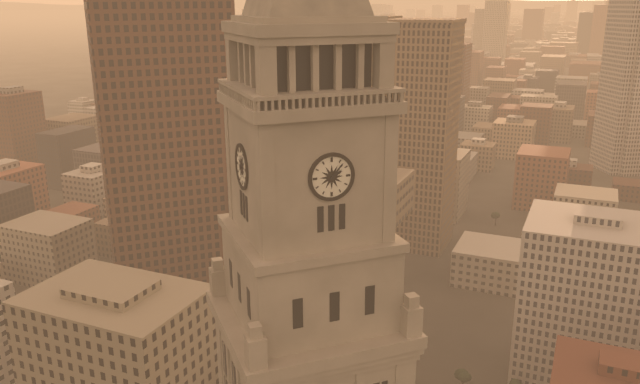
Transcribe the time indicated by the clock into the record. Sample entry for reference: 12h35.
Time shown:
2h07
